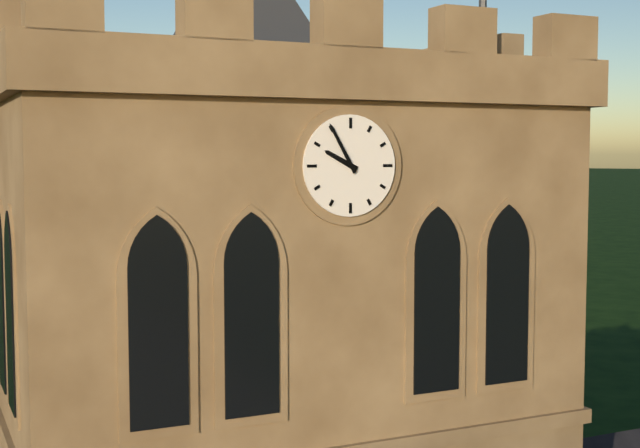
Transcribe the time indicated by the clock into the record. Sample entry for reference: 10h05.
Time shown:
9h55
